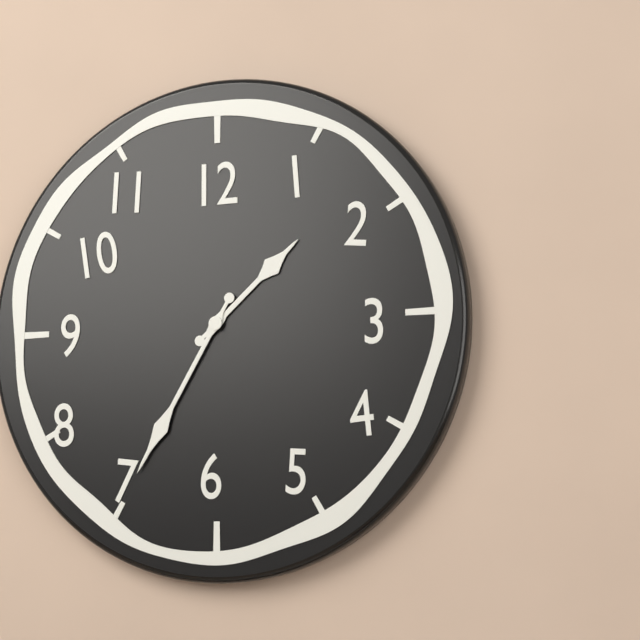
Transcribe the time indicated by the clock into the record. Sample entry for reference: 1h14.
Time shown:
1h35
